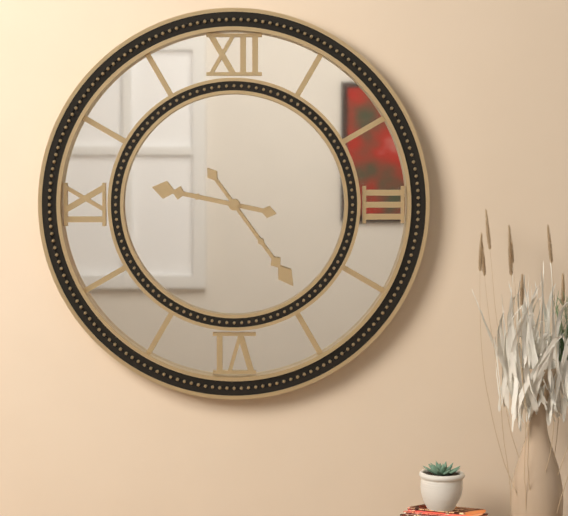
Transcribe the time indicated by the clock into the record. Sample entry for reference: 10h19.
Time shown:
9h24
